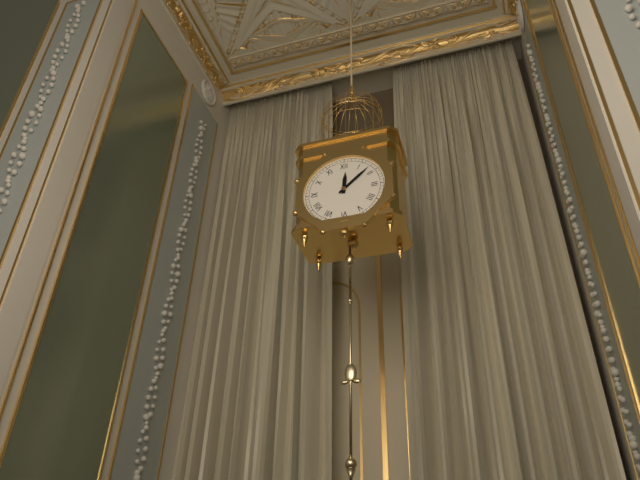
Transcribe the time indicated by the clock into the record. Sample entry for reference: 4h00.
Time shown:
12h08
